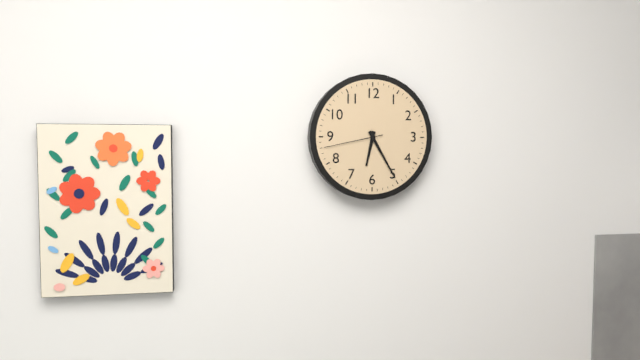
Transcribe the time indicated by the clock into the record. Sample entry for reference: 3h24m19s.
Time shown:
6h25m43s
